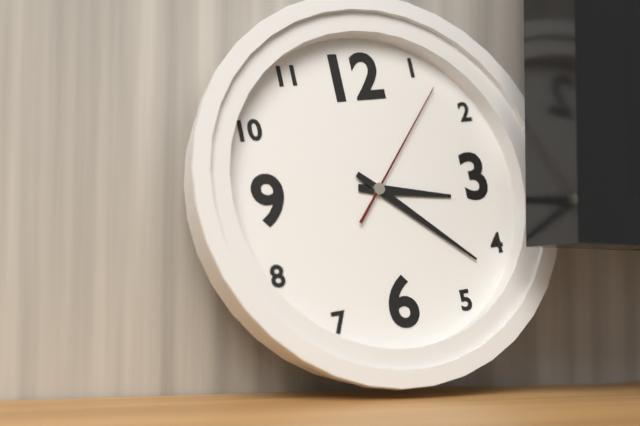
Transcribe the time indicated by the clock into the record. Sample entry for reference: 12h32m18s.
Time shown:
3h22m07s
